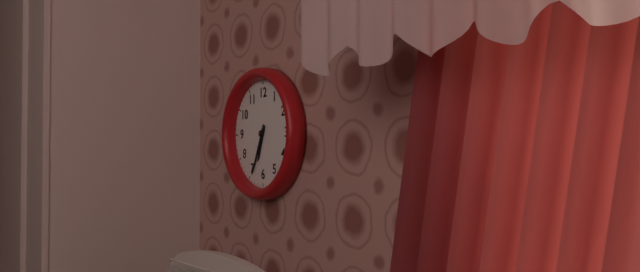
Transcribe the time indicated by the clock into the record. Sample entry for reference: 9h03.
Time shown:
6h34
